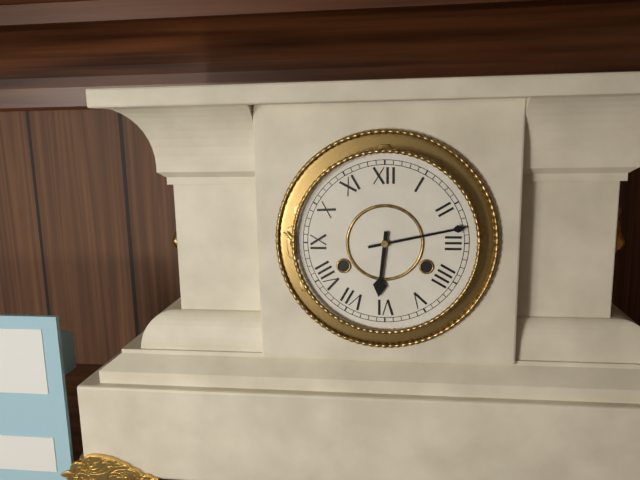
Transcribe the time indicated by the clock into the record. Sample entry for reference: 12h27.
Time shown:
6h13
